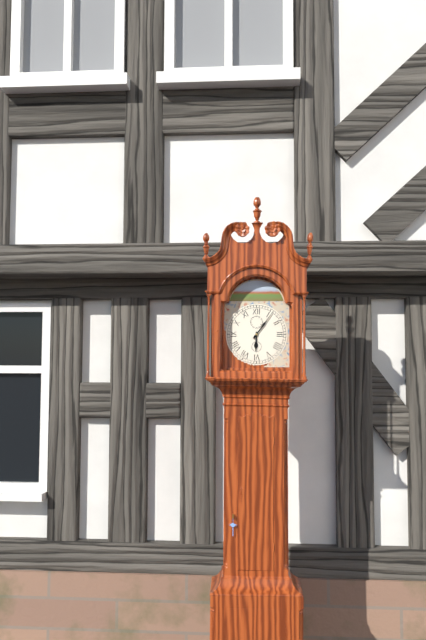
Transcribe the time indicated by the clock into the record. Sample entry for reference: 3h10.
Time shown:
6h06
